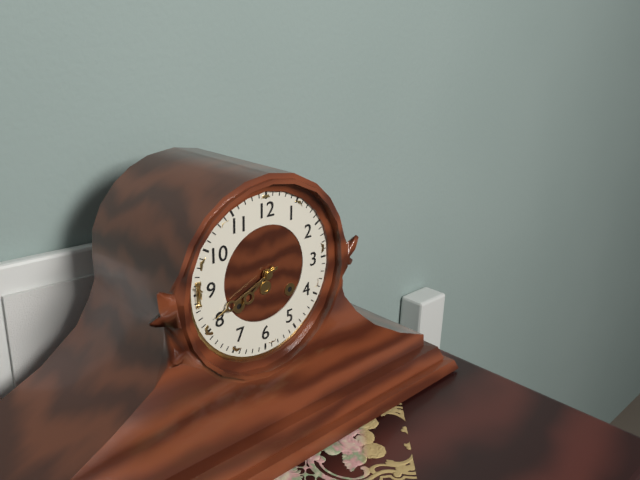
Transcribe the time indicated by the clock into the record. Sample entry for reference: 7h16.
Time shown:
7h41
